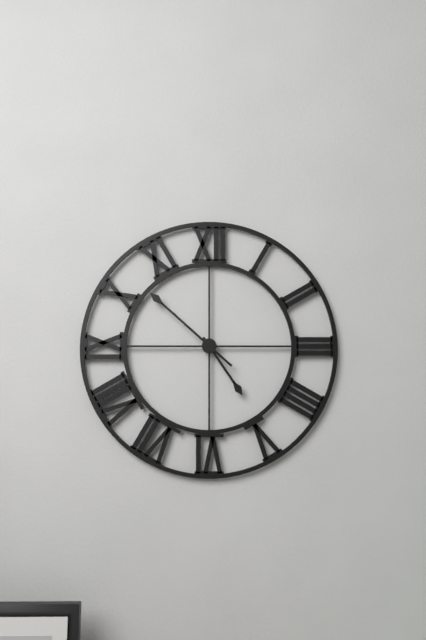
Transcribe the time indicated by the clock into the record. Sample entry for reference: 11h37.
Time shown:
4h52
